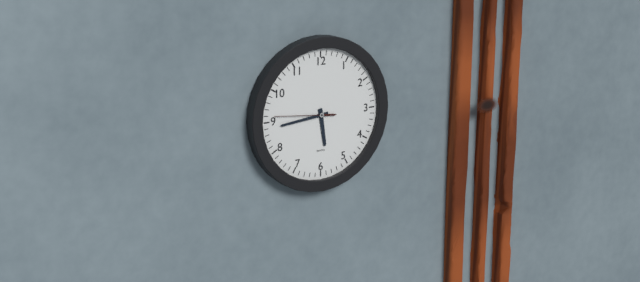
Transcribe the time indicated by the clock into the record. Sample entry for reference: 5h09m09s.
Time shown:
5h44m46s
